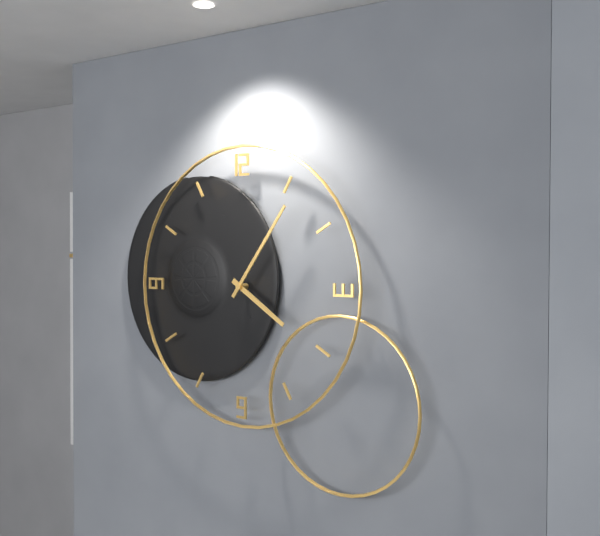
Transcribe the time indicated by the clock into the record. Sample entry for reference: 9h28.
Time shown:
4h06
